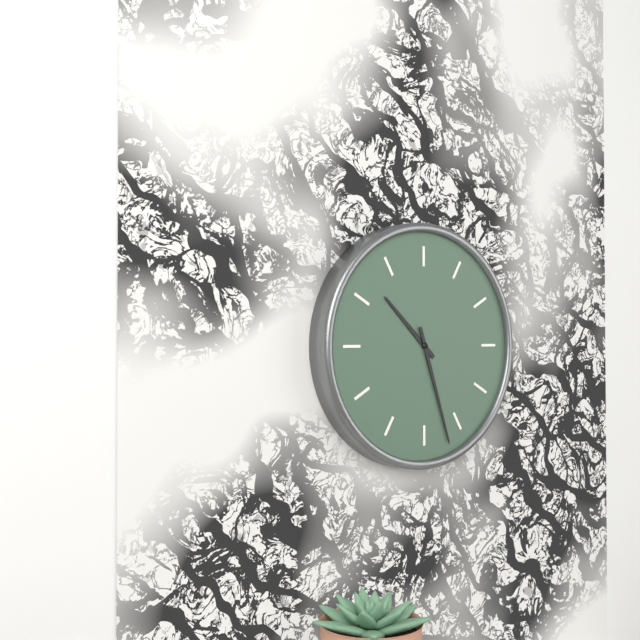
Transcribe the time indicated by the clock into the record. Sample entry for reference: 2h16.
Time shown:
10h27
